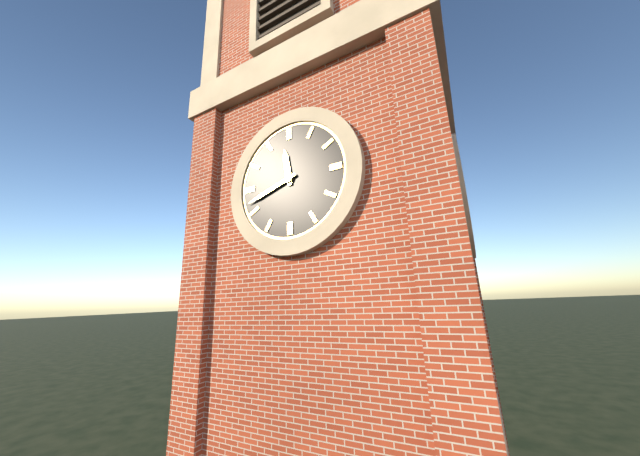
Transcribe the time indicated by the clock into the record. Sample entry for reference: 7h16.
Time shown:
11h42
